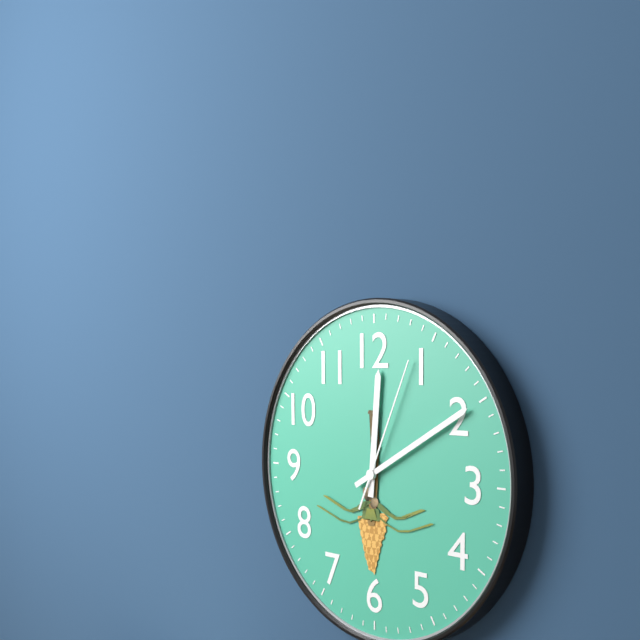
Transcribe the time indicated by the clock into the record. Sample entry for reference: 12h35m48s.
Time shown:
12h10m04s
